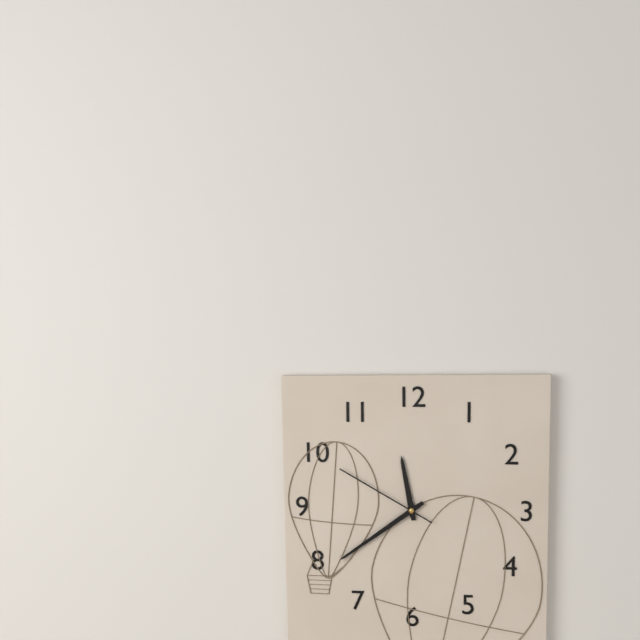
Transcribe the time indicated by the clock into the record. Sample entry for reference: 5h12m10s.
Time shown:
11h39m50s
